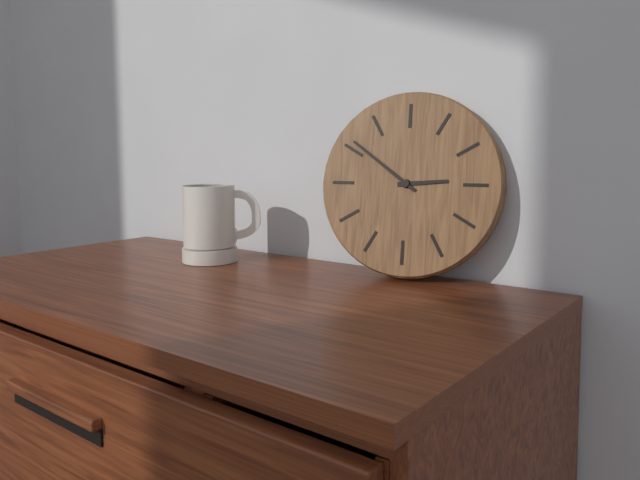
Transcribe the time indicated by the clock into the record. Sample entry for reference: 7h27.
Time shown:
2h51
